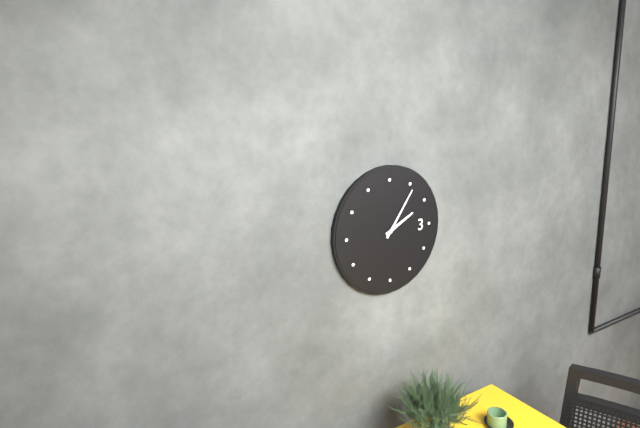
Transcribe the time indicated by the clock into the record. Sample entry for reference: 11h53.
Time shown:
2h06
